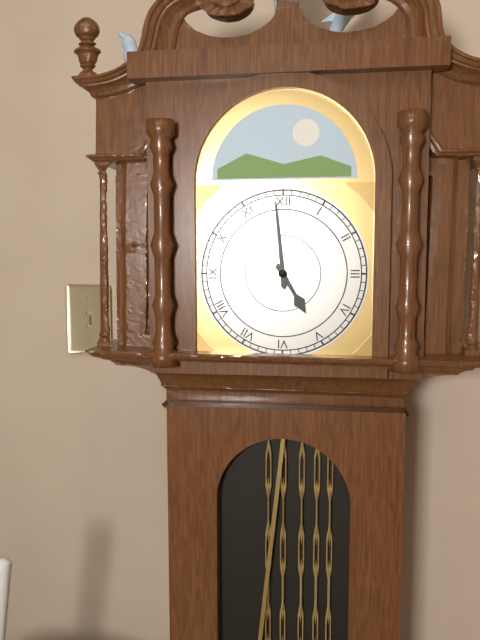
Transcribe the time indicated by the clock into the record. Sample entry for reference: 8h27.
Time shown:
4h59
